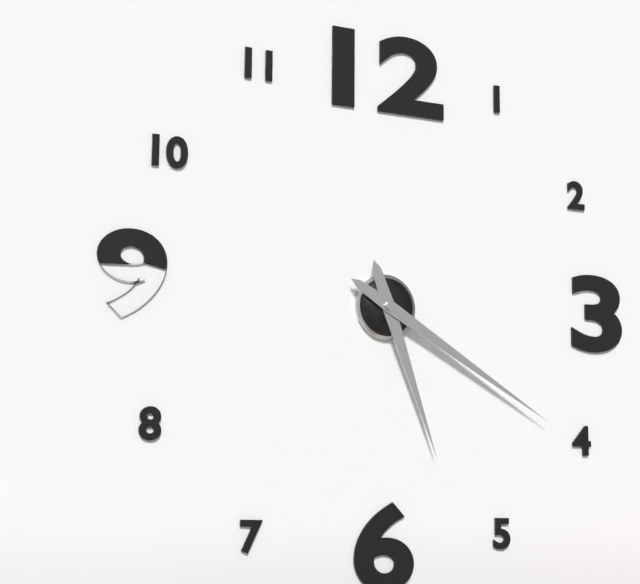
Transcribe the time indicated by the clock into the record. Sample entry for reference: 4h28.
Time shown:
5h20
